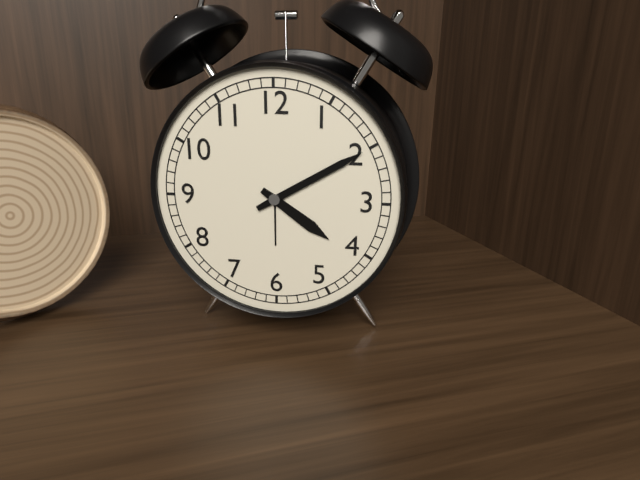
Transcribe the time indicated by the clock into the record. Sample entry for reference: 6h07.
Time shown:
4h10
